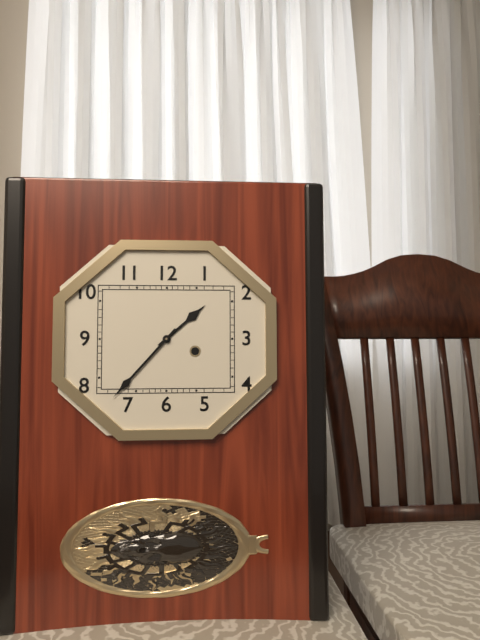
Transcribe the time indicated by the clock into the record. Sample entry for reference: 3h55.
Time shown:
1h37
